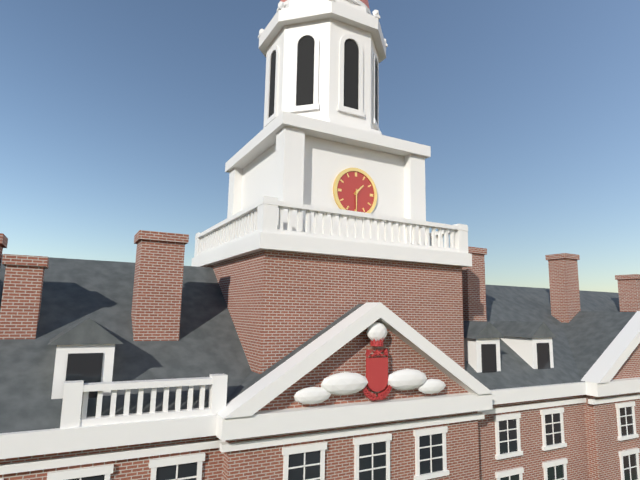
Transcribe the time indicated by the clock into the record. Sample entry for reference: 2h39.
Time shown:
1h30
